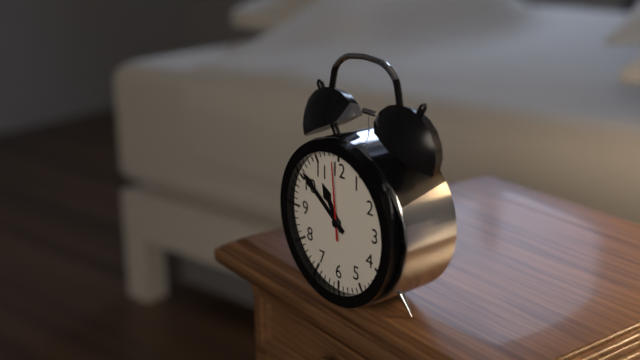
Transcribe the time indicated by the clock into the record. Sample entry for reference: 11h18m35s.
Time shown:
10h51m59s
